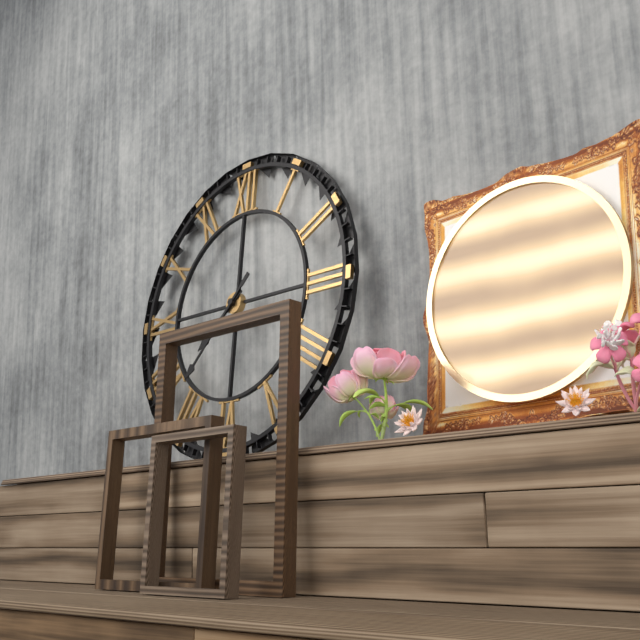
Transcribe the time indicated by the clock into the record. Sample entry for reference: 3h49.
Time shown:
7h37
